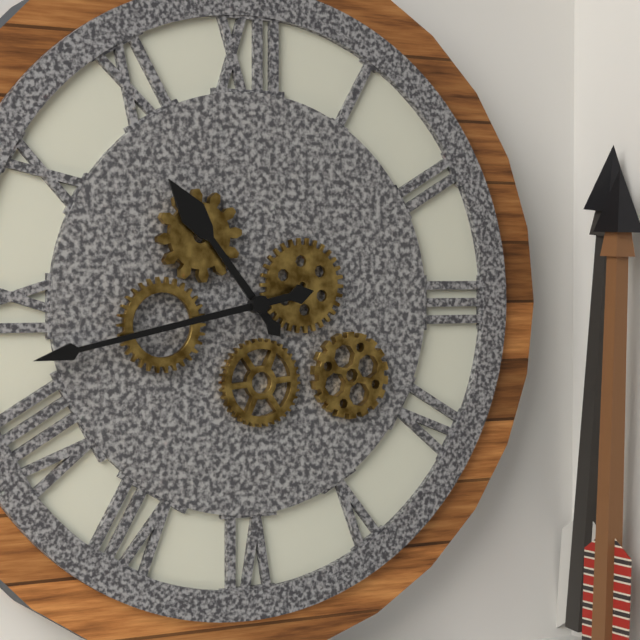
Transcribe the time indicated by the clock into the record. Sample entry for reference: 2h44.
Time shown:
10h43
